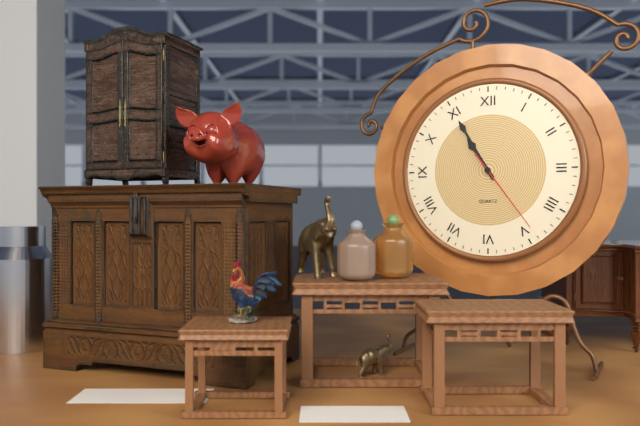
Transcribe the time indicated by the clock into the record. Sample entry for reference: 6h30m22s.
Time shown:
10h55m24s
